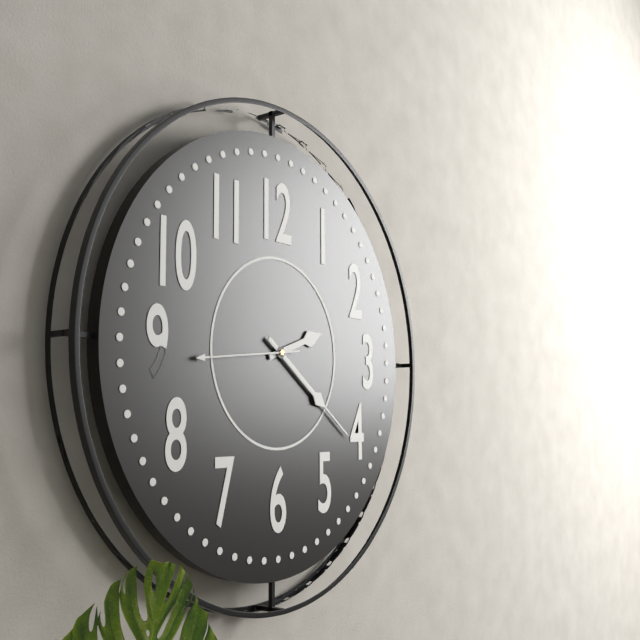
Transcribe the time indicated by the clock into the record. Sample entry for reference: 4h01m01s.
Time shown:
2h21m44s
